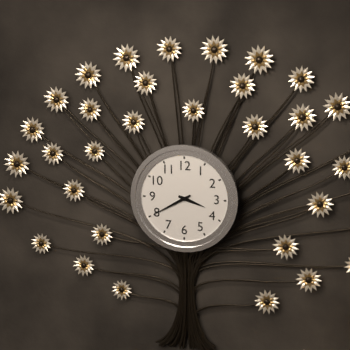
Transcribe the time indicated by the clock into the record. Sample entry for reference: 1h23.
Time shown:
3h40
